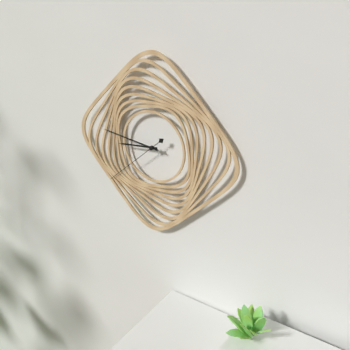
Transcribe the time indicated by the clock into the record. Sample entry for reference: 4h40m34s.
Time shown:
8h46m38s
